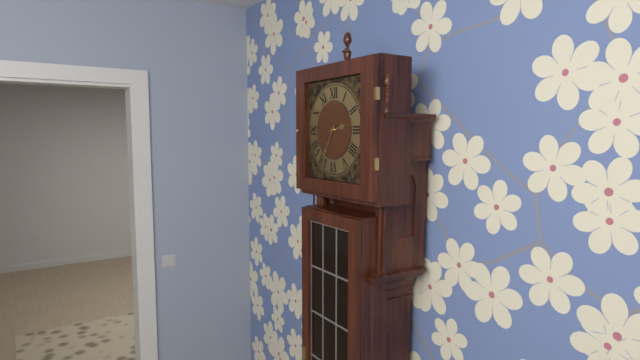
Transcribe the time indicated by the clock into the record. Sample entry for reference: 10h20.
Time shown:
2h35
